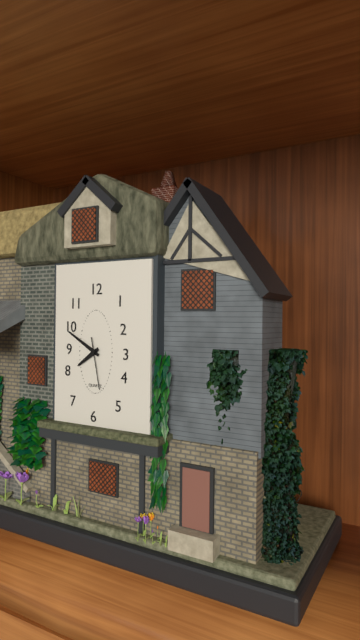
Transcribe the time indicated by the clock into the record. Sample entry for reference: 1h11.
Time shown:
7h50
